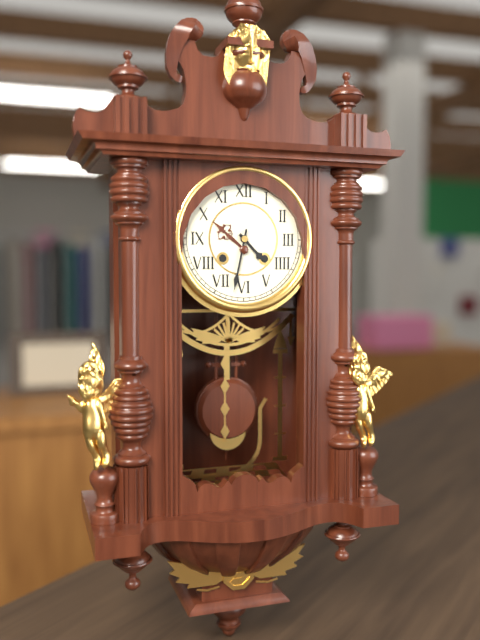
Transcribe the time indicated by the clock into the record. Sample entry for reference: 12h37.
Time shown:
4h32
